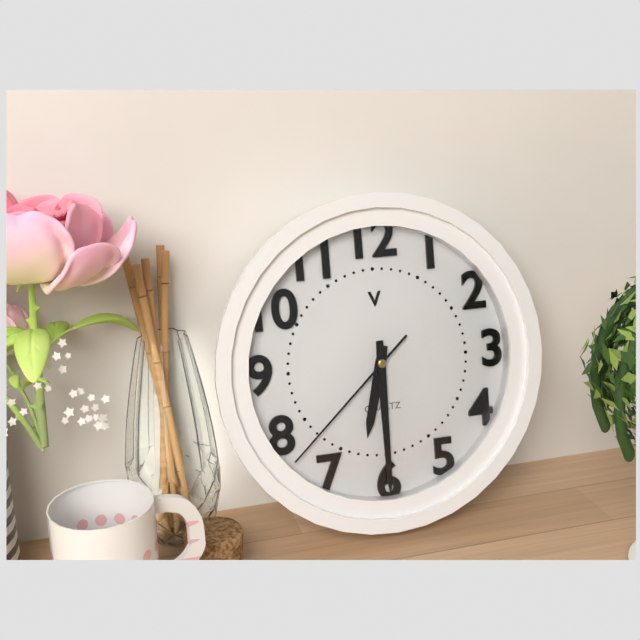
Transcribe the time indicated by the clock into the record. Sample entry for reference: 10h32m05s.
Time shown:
6h30m38s
